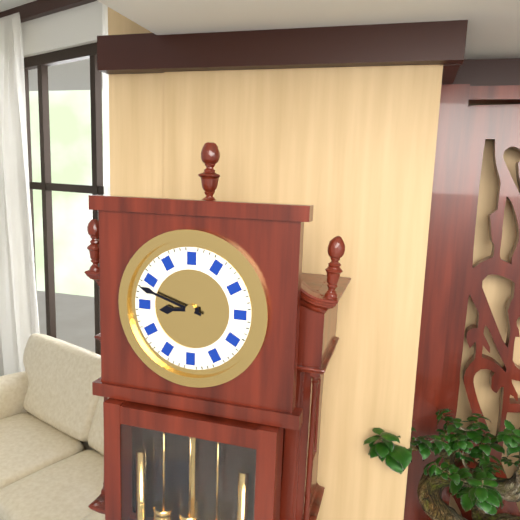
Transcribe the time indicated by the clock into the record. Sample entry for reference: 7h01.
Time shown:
8h48
